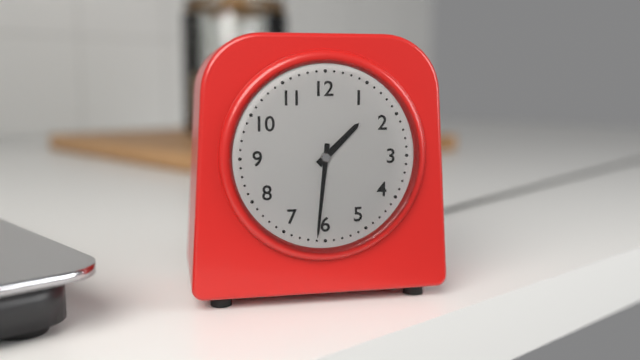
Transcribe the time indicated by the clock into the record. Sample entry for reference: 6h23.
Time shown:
1h31
